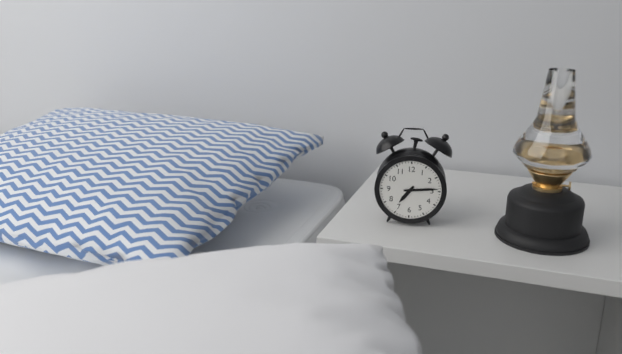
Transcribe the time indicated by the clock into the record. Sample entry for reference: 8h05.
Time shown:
7h14
